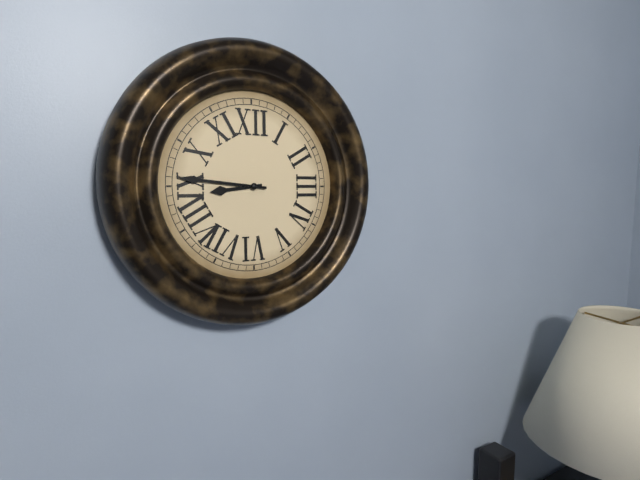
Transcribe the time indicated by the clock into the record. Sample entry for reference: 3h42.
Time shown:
8h46
